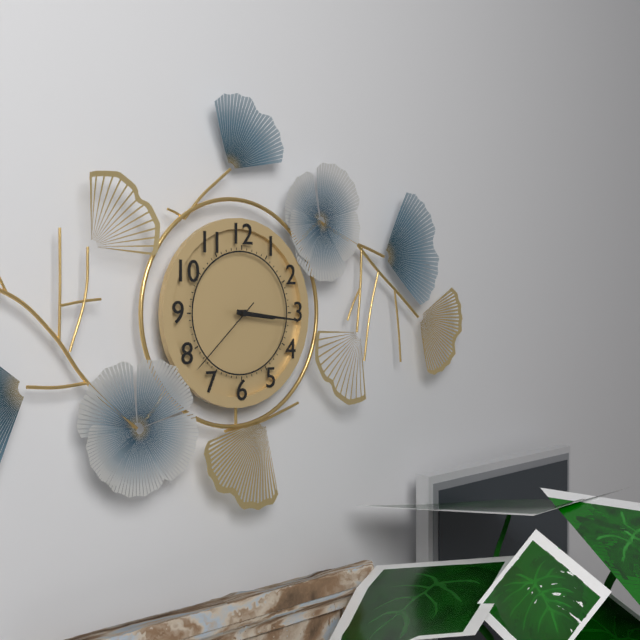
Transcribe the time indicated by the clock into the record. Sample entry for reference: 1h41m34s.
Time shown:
3h16m38s
